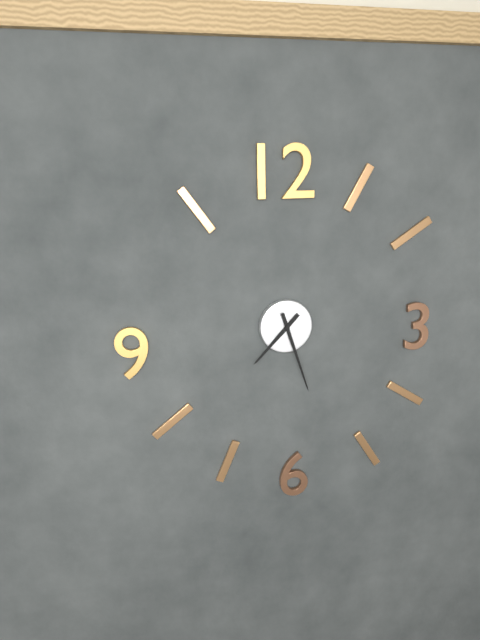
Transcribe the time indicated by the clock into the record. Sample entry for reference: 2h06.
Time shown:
7h27
